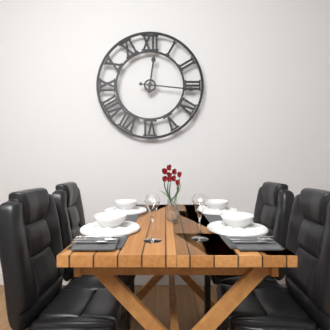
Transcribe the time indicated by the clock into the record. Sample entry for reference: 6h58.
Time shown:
12h16
